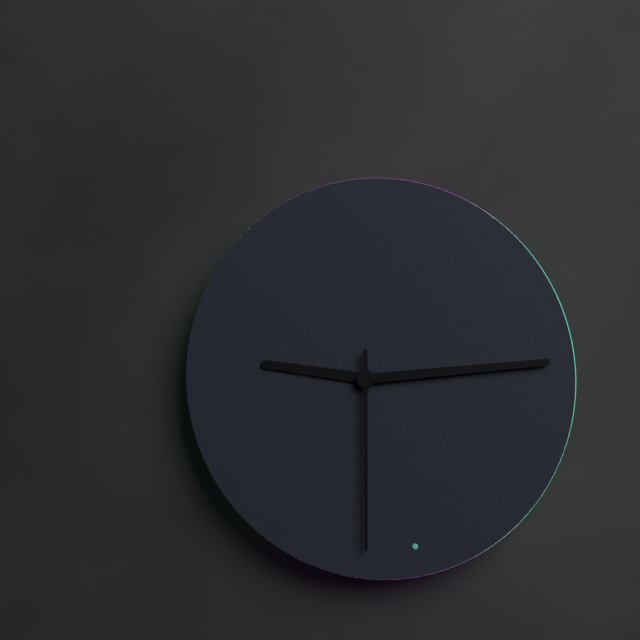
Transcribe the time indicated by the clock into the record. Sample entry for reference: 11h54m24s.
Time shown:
9h14m30s
